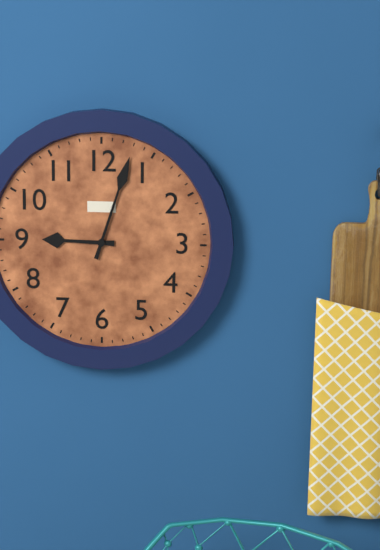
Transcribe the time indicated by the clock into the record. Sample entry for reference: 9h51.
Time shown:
9h03
